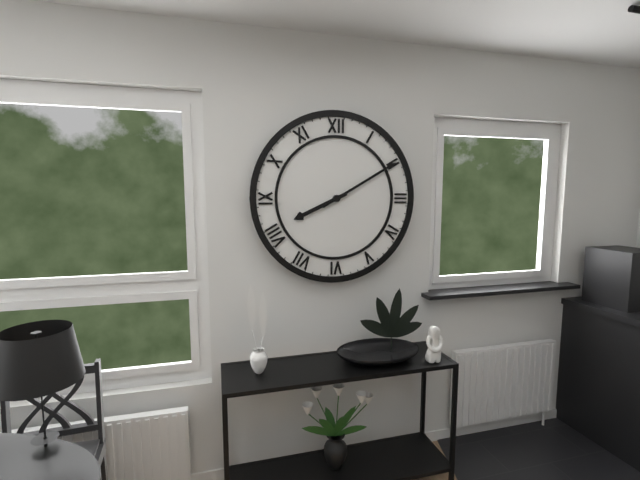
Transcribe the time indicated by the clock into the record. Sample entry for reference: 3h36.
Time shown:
8h10
